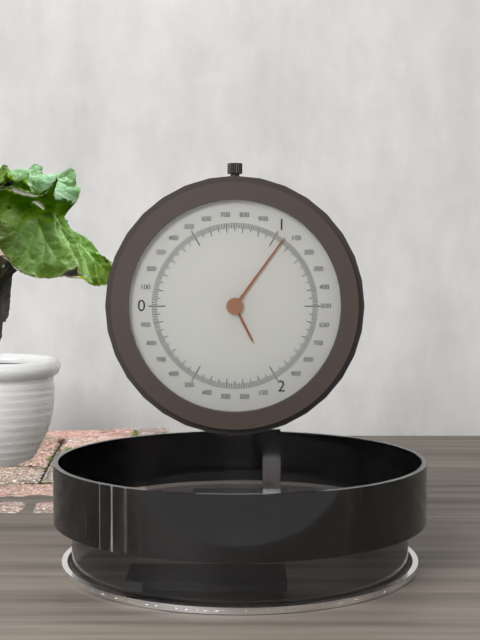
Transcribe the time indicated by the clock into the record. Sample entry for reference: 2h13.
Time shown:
5h06
